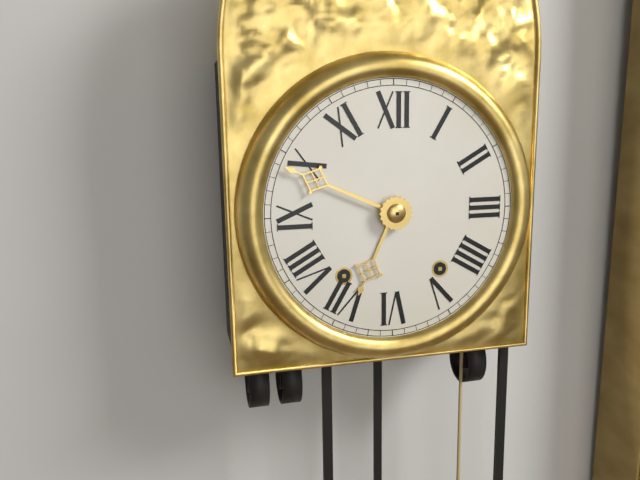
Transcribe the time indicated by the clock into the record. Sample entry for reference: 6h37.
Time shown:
6h49
